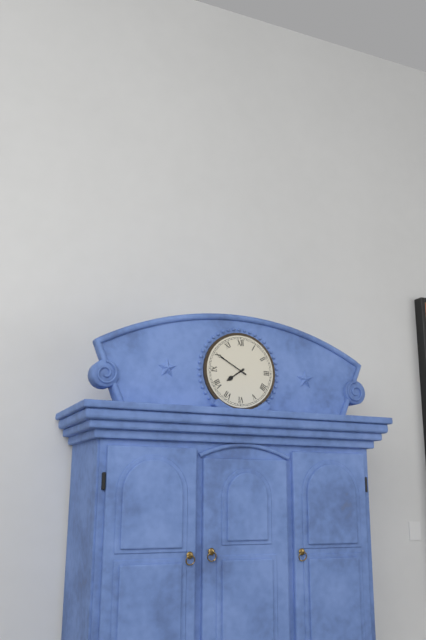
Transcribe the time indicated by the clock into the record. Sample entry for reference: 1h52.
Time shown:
7h50
